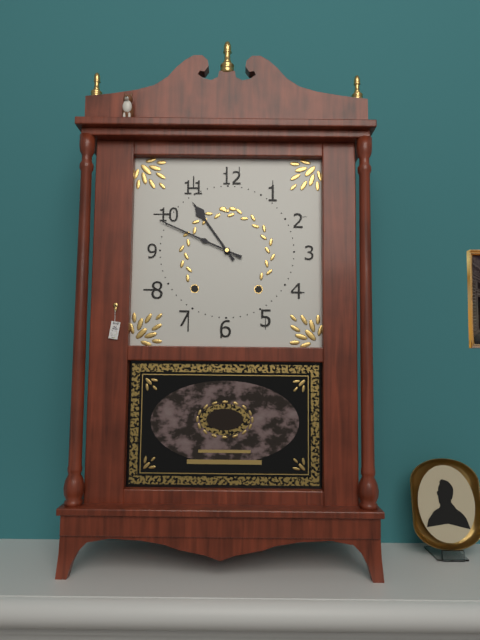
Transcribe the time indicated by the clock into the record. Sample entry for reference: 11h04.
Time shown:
10h49
